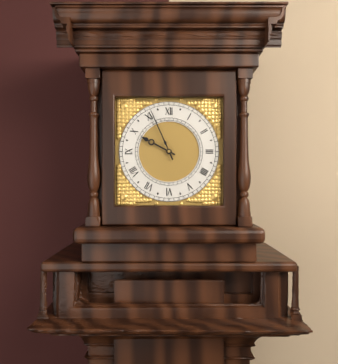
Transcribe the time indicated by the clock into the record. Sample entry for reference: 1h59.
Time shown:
9h56
